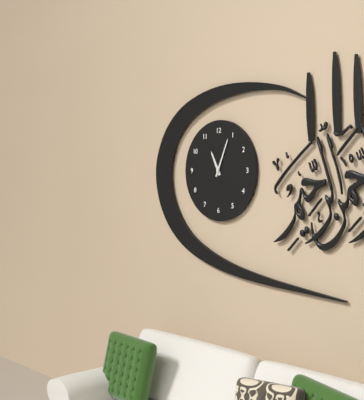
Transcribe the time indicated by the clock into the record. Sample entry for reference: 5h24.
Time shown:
11h04
